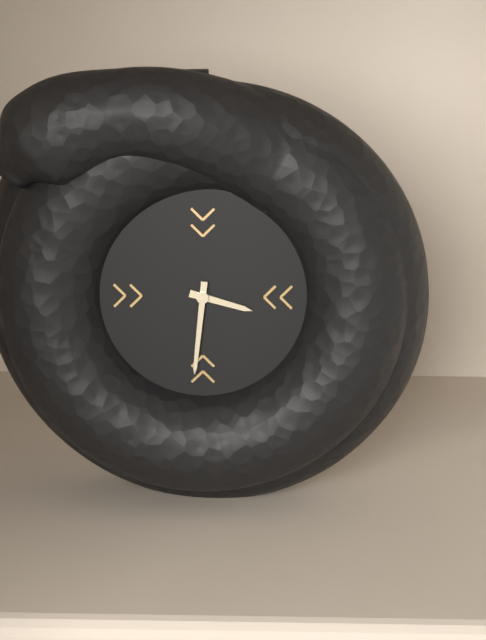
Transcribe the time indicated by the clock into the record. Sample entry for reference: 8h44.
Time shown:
3h31
